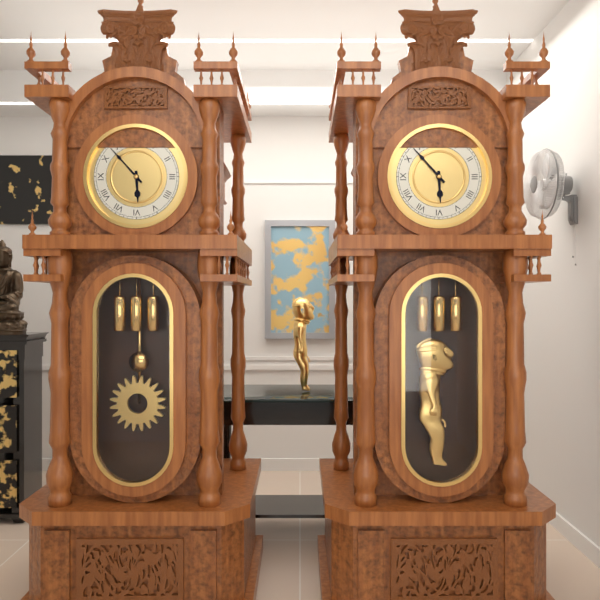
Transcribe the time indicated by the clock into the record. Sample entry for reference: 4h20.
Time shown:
5h53
